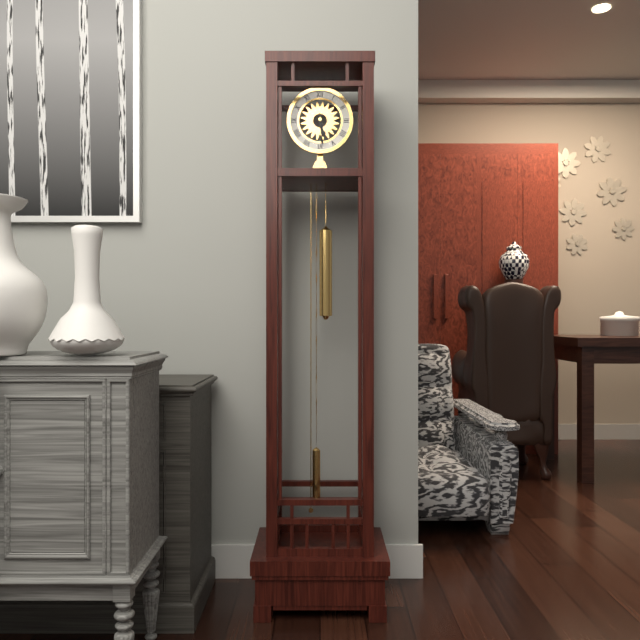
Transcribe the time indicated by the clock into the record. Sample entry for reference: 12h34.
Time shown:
5h29
